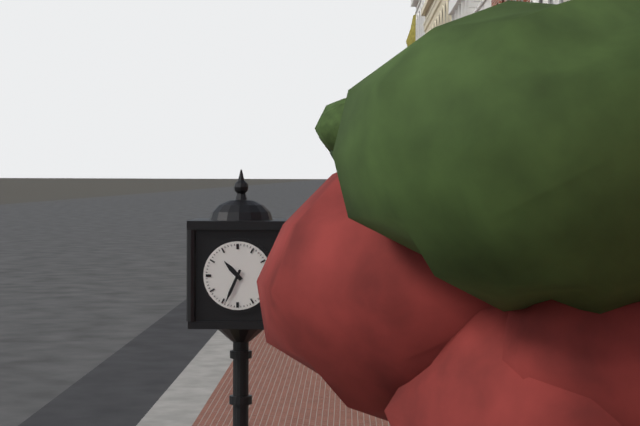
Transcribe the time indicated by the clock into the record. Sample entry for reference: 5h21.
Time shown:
10h34
